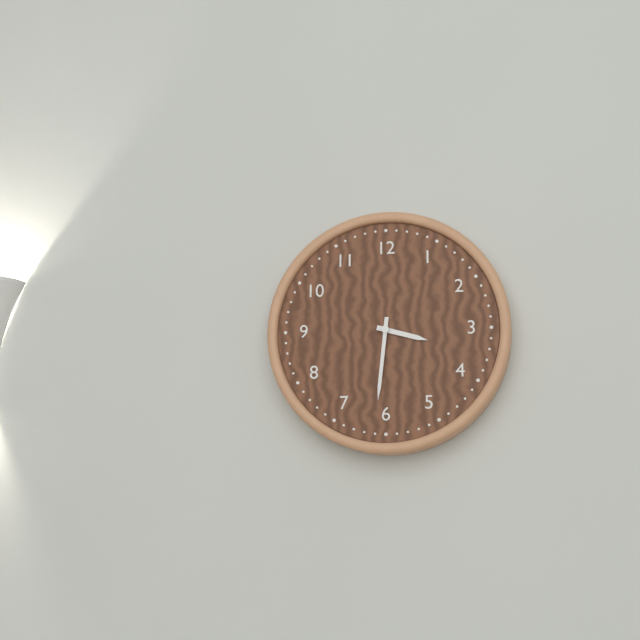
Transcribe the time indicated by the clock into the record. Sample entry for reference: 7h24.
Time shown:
3h31
